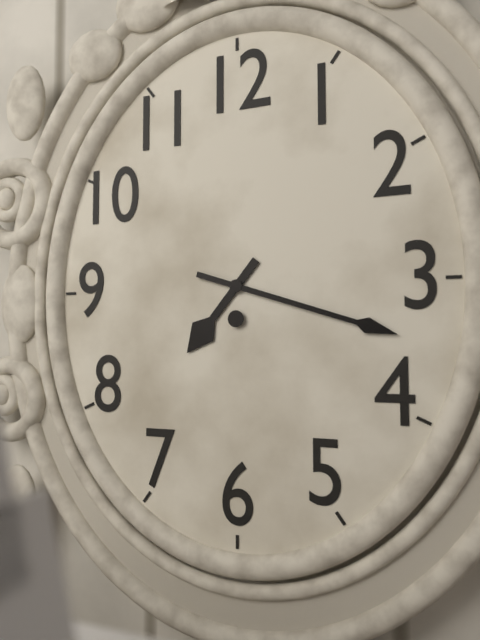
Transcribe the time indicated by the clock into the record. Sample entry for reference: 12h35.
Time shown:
7h18
